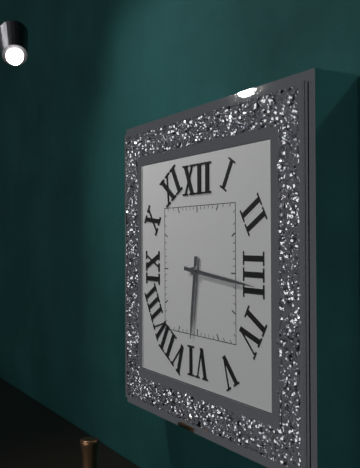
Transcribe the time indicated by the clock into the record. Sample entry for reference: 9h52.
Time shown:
6h16
